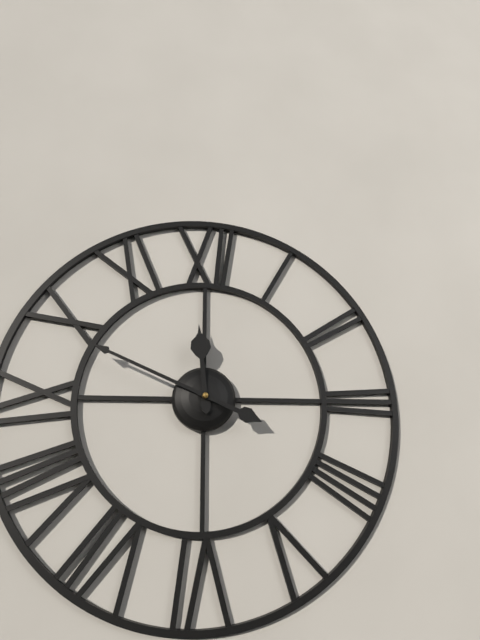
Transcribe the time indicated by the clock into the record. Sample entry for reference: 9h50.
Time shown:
11h49
